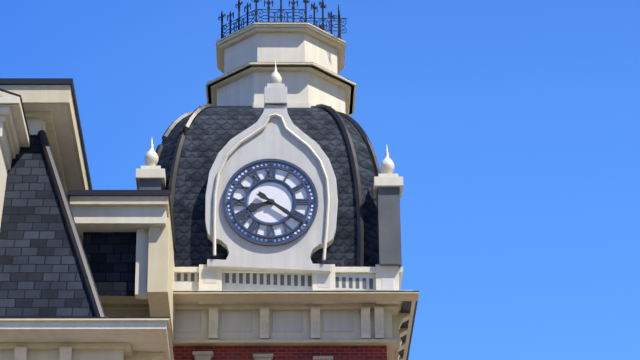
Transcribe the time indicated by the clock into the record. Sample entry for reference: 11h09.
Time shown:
8h21
